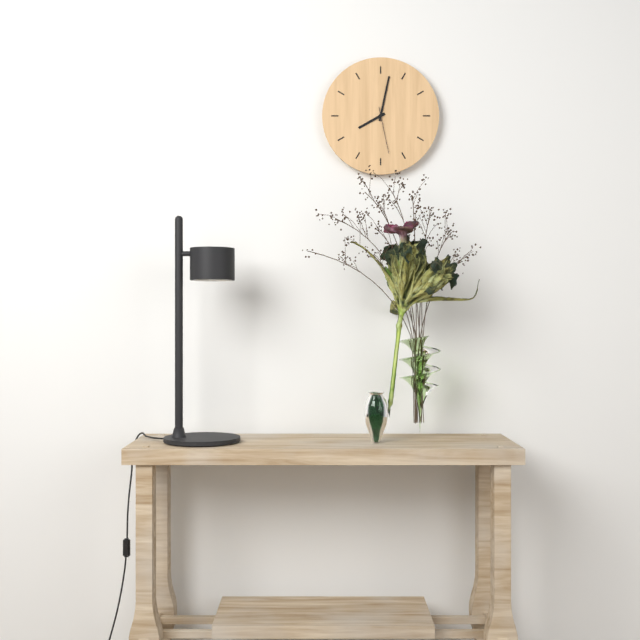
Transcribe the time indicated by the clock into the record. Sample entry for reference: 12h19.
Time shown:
8h02
